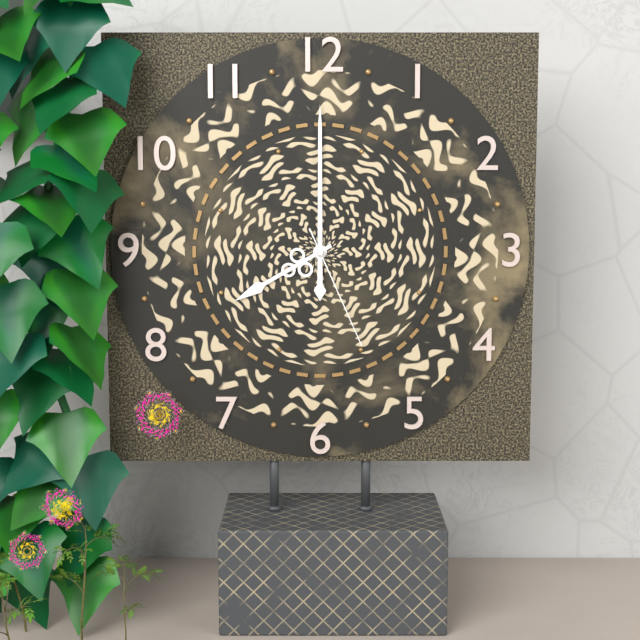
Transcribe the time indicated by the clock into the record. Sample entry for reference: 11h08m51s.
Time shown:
8h00m26s
